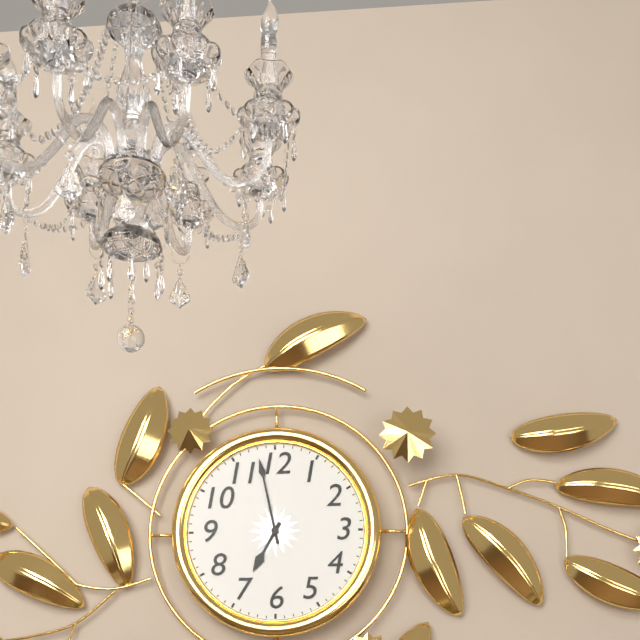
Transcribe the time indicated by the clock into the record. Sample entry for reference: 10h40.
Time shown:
6h58
